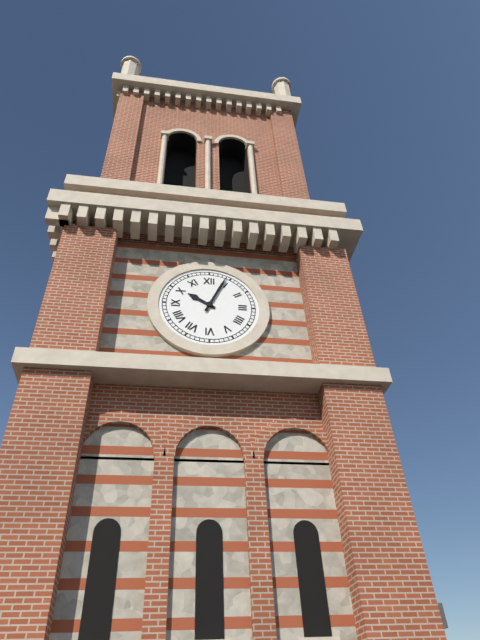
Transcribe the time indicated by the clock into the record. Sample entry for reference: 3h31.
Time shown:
10h04
